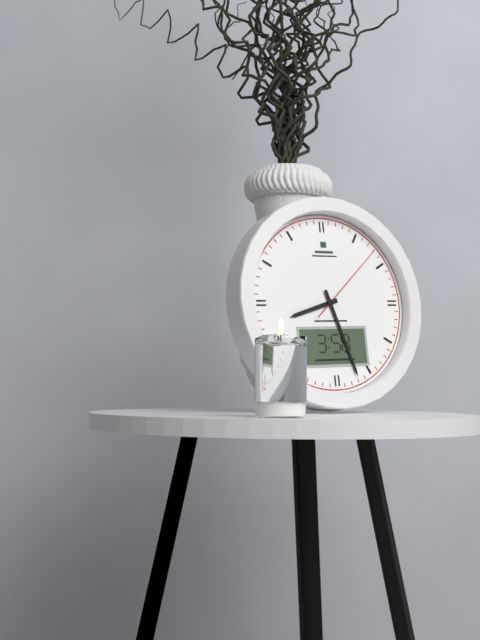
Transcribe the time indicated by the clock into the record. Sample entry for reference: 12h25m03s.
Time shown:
8h27m08s
